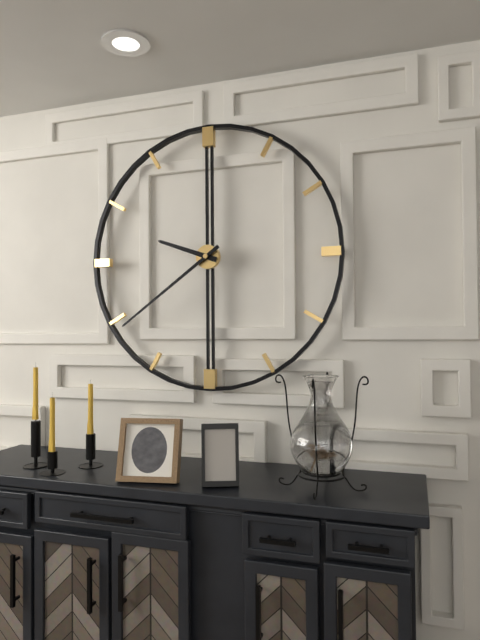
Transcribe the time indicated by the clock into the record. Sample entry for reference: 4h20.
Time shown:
9h39
